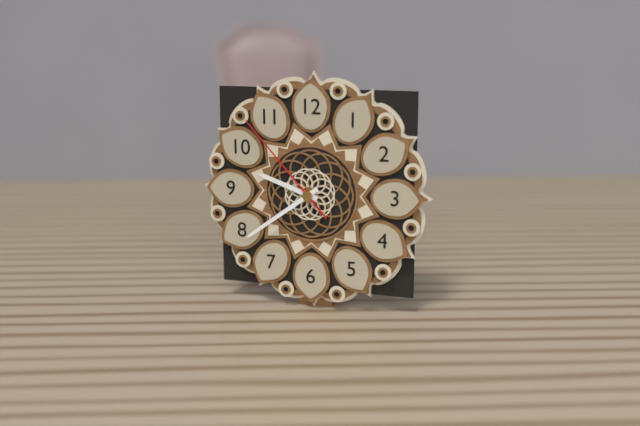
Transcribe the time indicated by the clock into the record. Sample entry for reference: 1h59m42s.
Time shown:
9h39m53s
